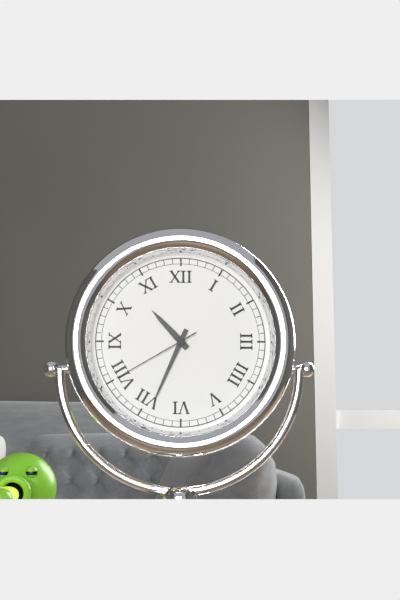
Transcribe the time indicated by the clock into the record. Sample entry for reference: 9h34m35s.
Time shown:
10h34m40s
